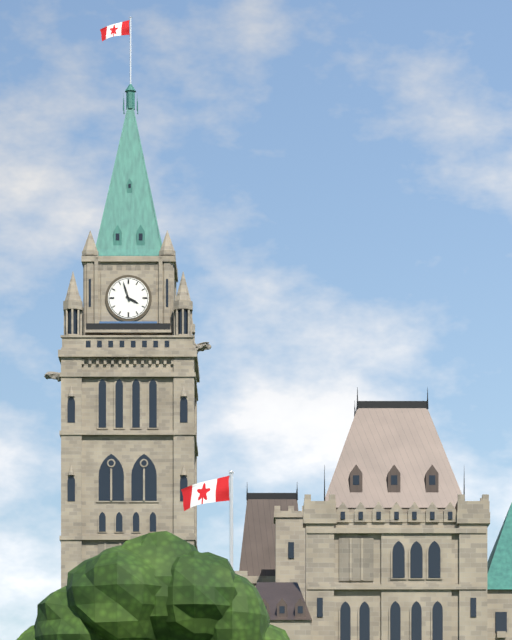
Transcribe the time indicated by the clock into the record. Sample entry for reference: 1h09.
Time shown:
3h57
